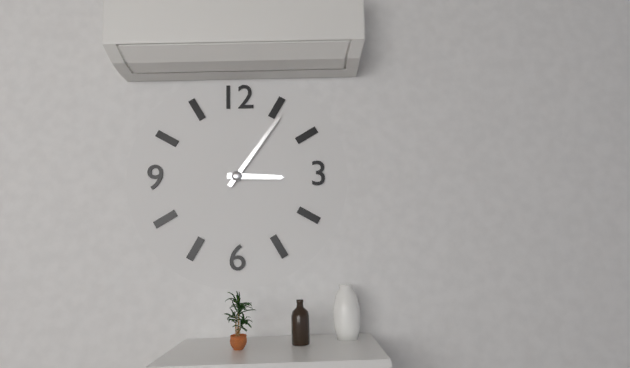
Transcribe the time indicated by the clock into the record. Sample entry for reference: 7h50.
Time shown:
3h06
